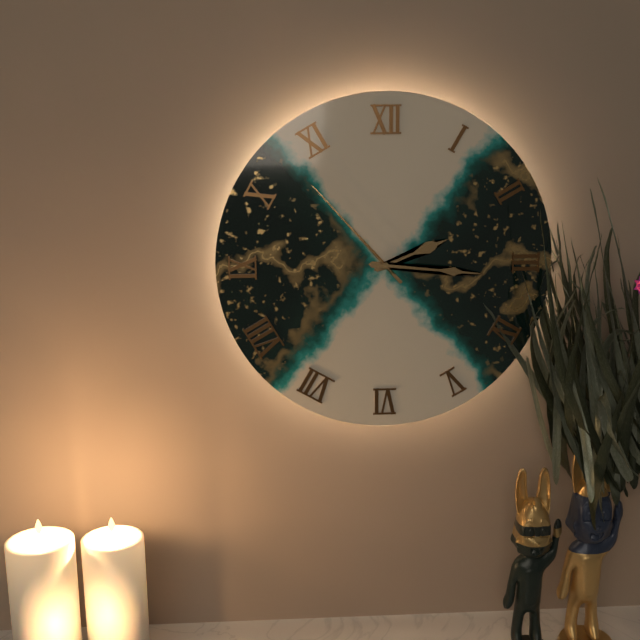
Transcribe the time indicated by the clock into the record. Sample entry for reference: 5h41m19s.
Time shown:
2h16m53s
